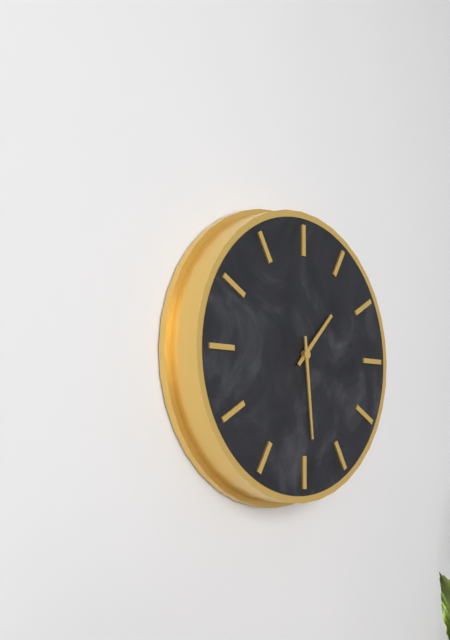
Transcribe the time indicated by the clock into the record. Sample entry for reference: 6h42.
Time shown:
1h29
